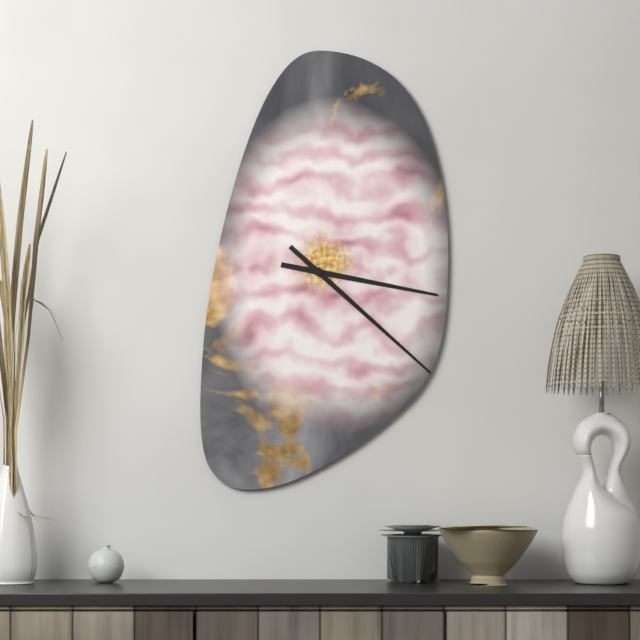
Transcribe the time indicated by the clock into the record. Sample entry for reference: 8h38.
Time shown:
3h22
